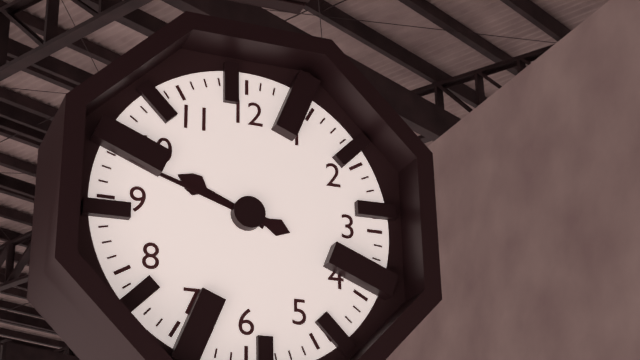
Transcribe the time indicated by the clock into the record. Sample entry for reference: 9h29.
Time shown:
9h48
